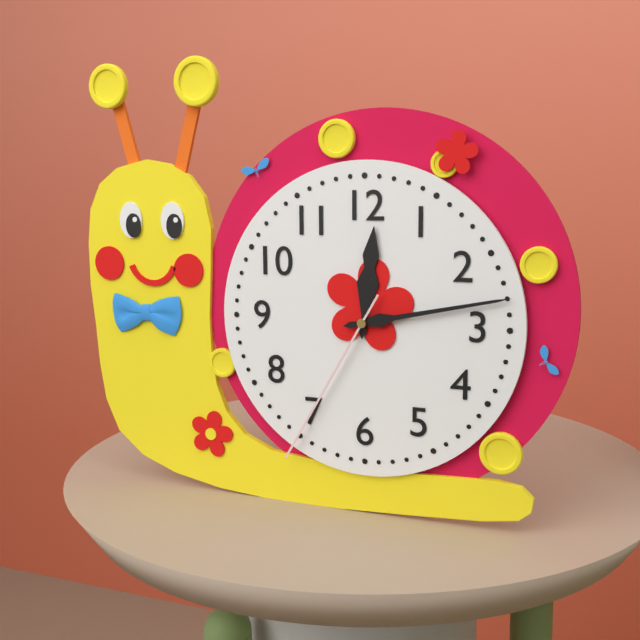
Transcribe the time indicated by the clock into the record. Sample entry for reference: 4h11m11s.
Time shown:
12h13m35s
